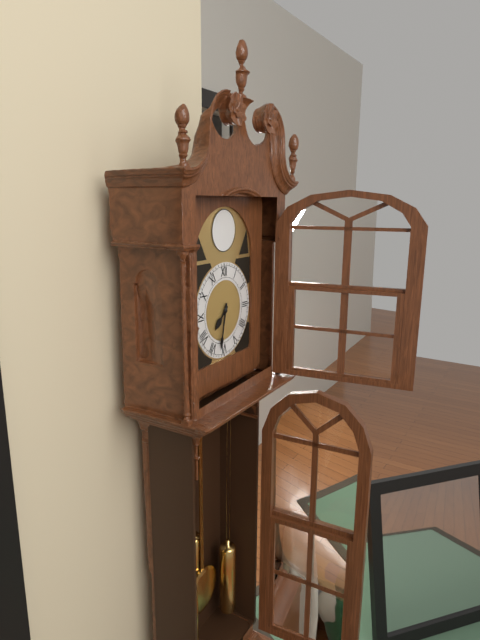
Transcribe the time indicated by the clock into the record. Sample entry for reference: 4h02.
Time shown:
7h32
